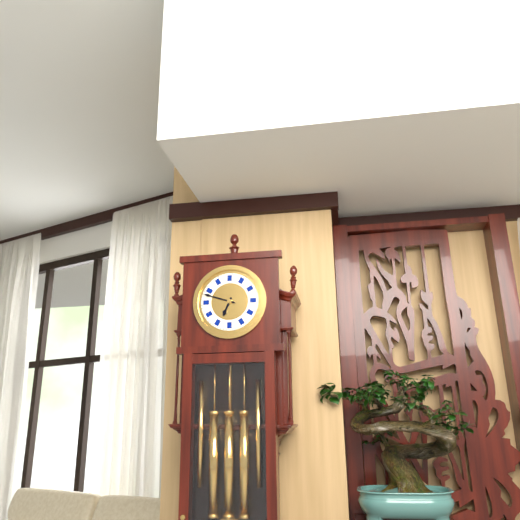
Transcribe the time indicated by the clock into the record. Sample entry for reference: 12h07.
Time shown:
6h48
